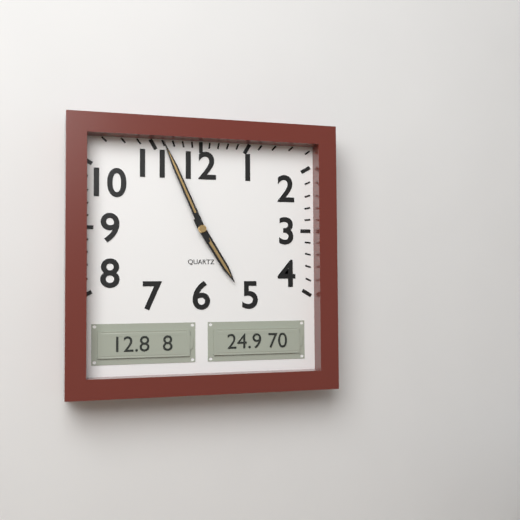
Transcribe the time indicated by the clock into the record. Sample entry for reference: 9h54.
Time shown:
4h56
